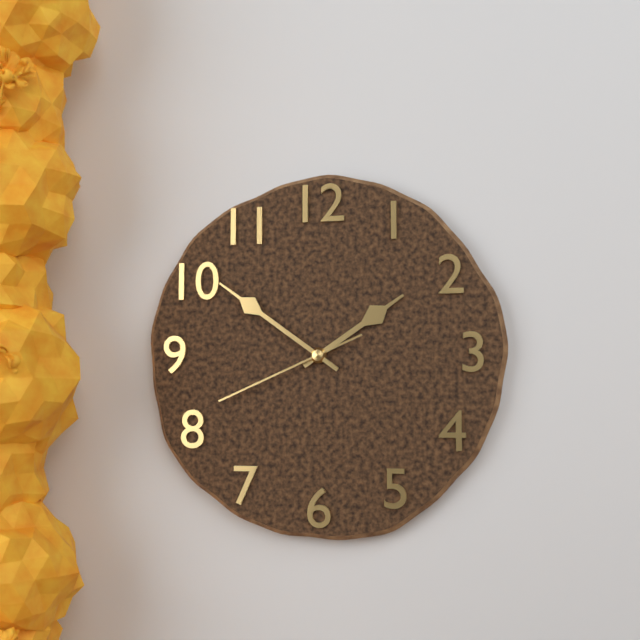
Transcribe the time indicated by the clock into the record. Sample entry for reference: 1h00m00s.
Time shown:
1h51m41s
